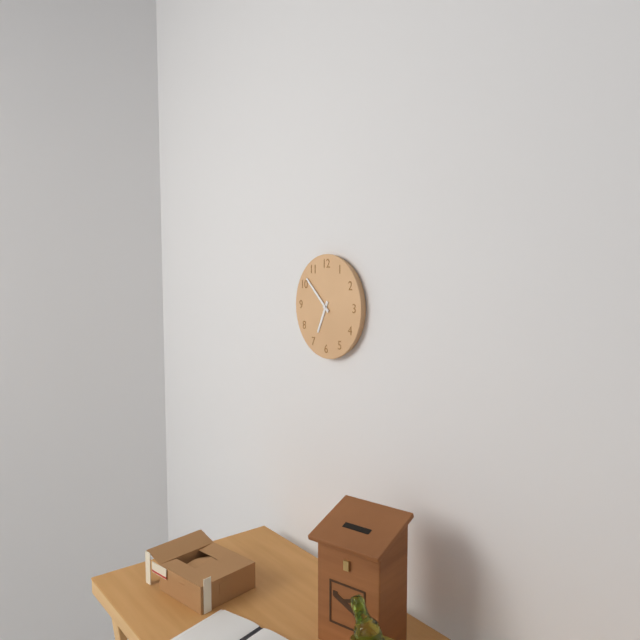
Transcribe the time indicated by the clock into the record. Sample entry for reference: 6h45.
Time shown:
6h52
